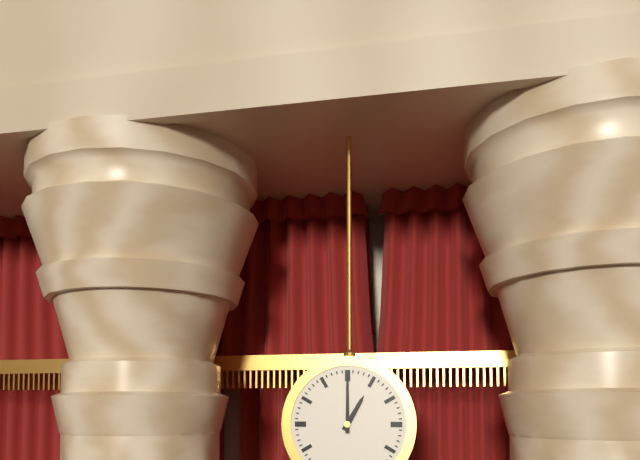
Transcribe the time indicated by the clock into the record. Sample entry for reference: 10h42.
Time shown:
1h00
